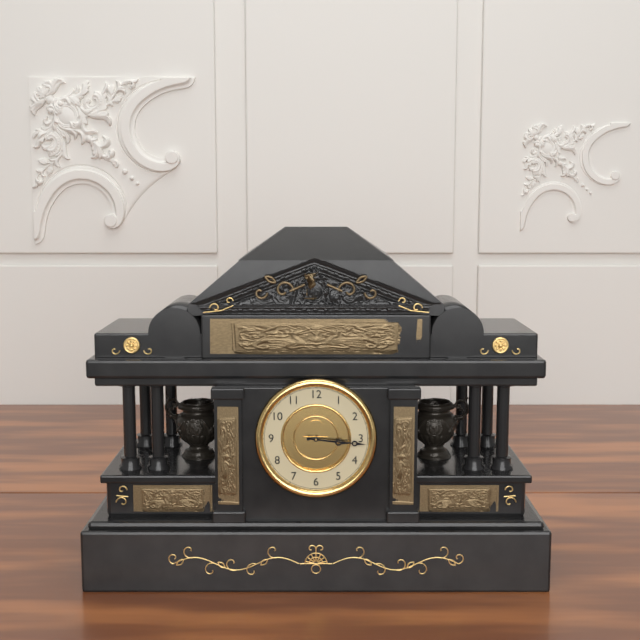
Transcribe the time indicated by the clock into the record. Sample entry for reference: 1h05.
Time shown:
3h16
